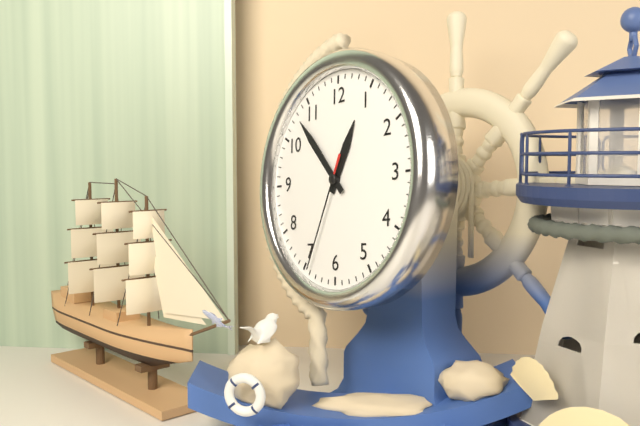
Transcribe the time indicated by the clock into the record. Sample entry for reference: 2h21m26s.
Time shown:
12h53m34s
